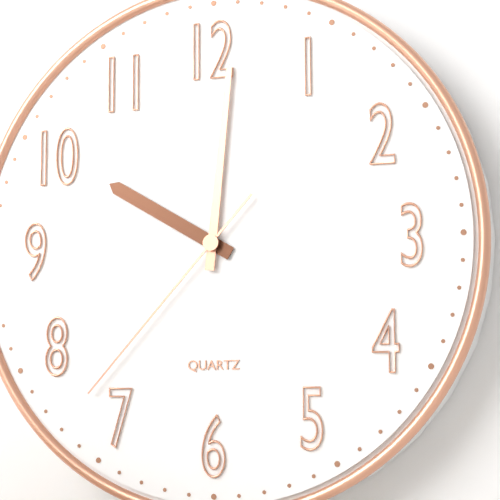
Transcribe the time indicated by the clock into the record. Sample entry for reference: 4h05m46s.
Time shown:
10h01m37s
